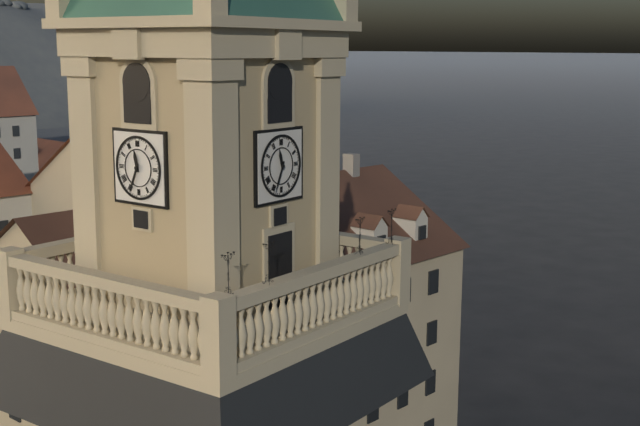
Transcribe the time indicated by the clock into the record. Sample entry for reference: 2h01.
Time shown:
11h34
